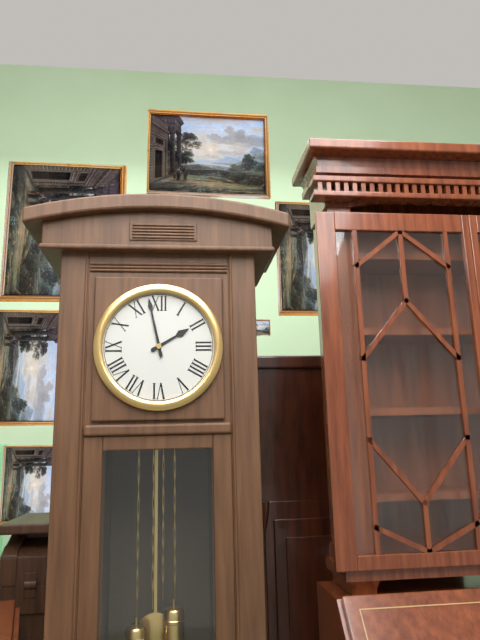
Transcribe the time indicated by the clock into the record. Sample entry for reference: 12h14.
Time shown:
1h58
